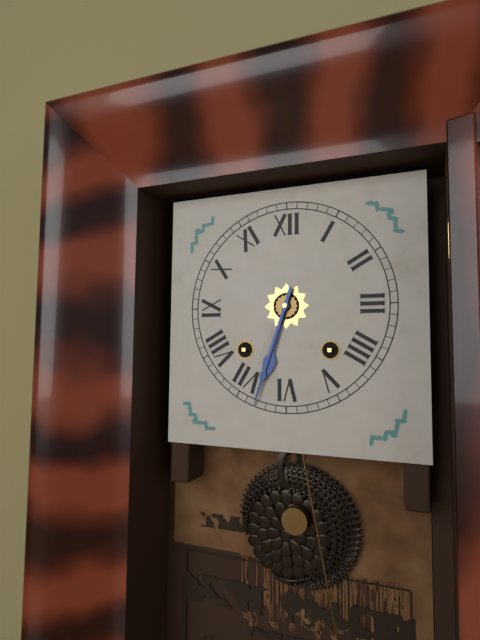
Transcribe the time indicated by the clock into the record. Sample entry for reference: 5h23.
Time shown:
6h33
